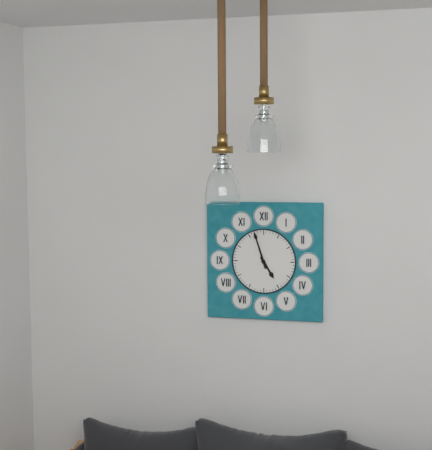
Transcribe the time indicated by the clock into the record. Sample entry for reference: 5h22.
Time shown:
4h57
